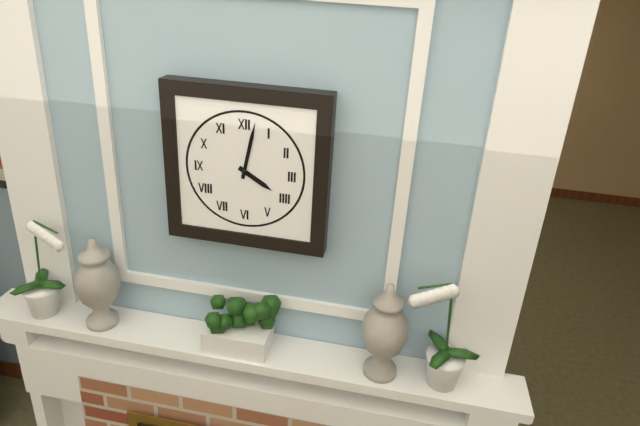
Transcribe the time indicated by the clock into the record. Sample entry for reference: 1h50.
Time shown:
4h02
